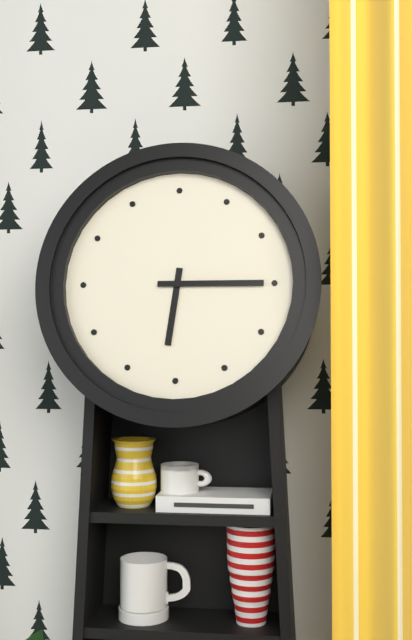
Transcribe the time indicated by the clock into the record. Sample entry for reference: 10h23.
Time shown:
6h15
